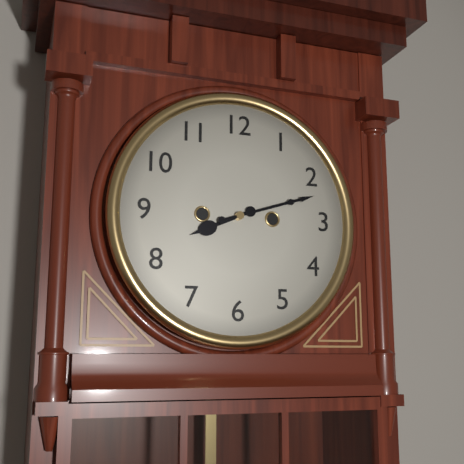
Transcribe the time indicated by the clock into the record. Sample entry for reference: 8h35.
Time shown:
8h12
